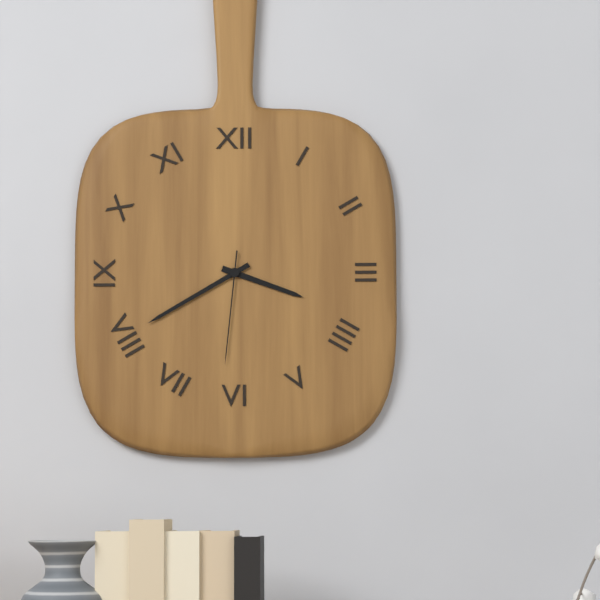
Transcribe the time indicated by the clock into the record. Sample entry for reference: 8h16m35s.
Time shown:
3h40m31s
